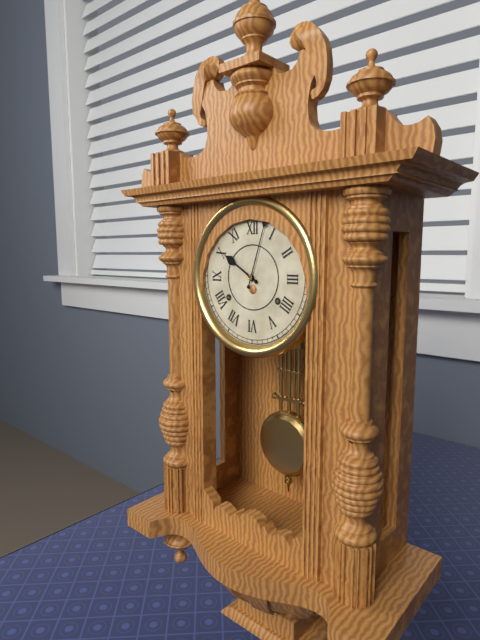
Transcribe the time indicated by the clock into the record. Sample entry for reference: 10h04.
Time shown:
10h03
